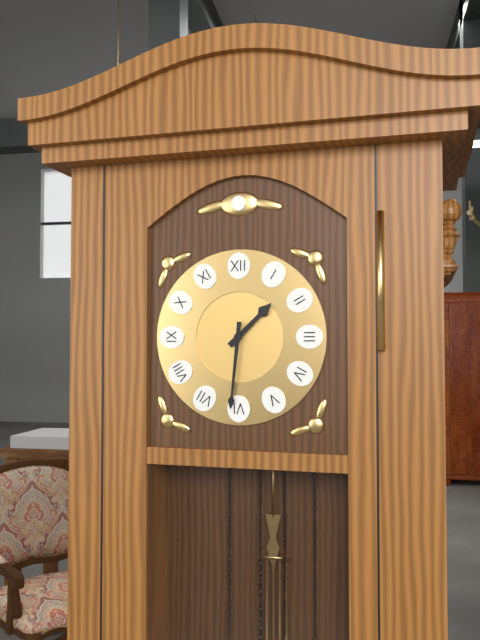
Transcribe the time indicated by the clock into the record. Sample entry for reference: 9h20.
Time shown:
1h31
